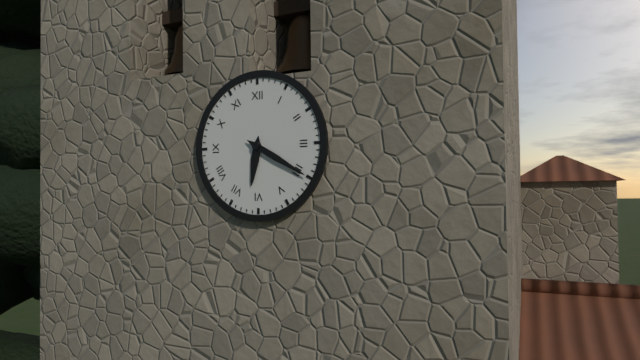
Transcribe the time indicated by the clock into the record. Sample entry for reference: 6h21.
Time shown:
6h20
